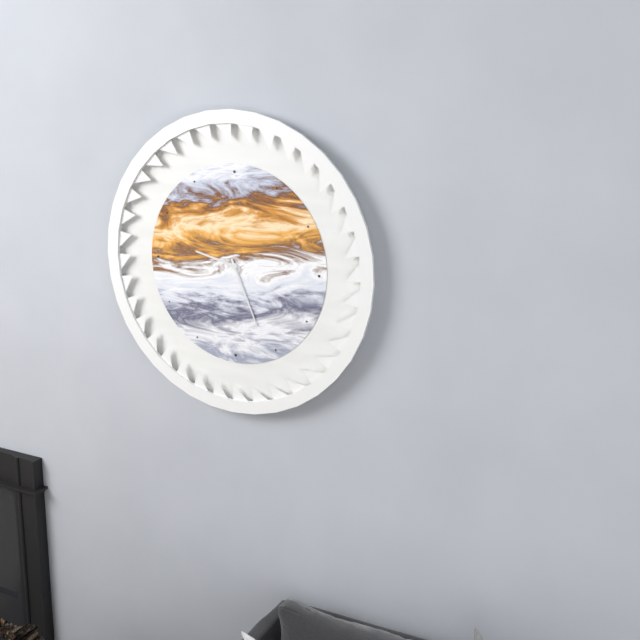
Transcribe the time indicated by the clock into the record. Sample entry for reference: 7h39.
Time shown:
9h26
